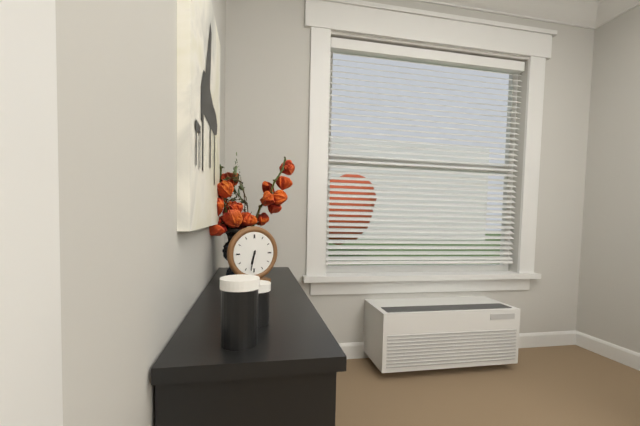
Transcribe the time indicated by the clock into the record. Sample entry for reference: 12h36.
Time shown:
6h32
